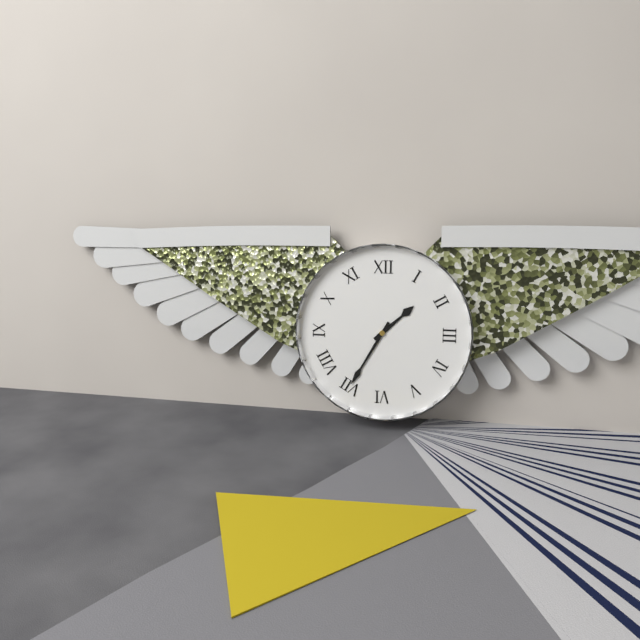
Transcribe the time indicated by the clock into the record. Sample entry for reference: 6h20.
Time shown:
1h35
